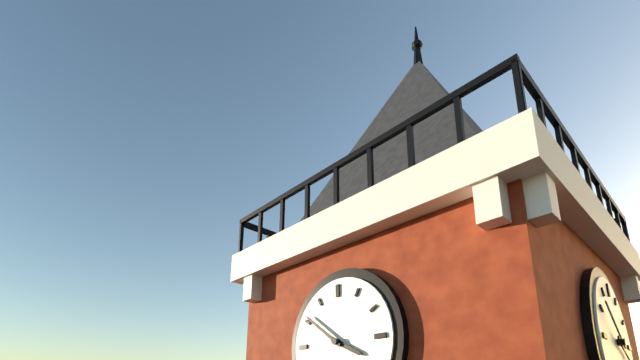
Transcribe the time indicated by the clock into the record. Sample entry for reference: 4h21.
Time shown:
3h51
